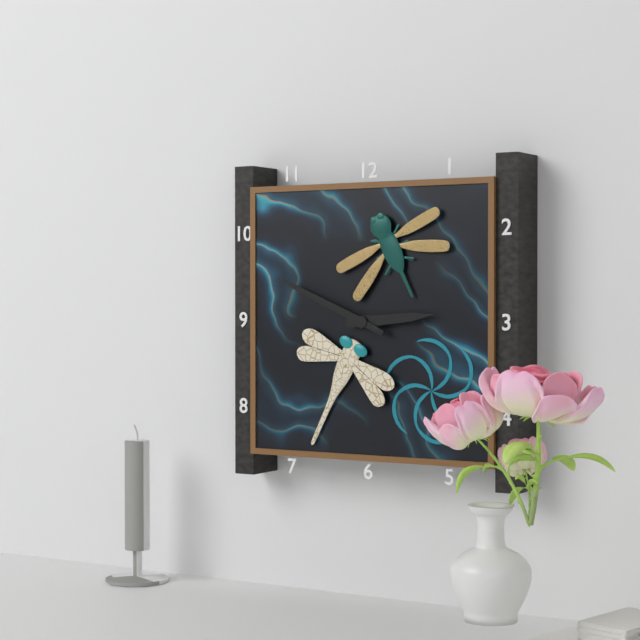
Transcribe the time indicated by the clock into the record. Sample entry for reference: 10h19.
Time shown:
2h49
